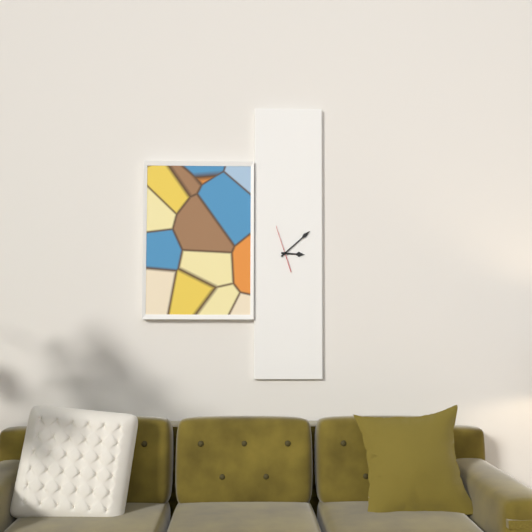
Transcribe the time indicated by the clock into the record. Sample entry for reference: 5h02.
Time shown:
3h08
